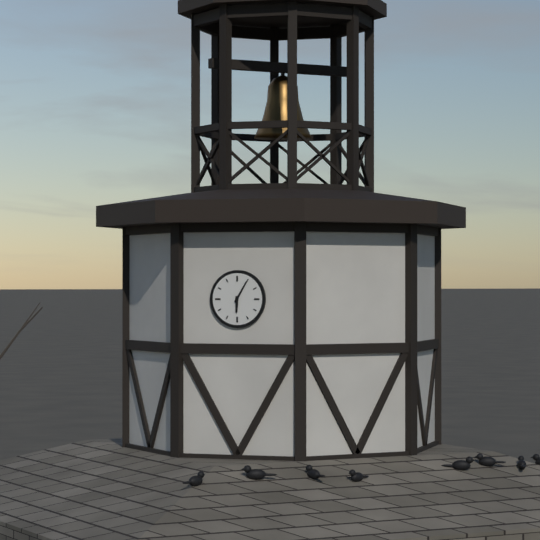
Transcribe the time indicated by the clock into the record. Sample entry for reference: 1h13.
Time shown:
6h05
